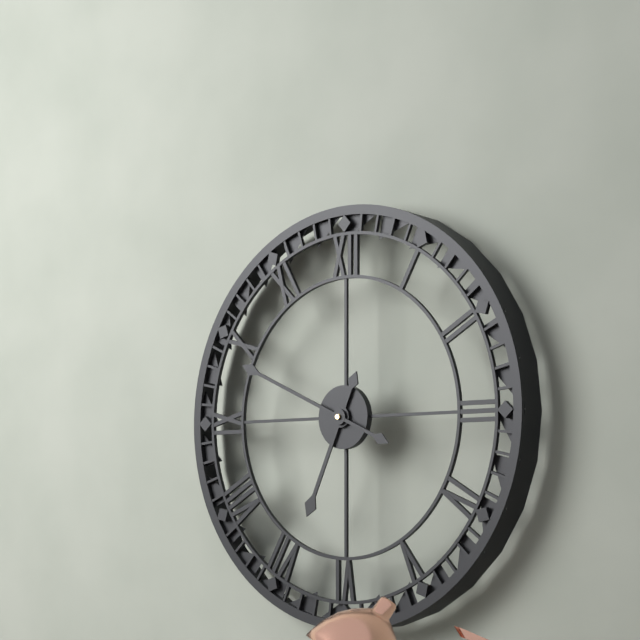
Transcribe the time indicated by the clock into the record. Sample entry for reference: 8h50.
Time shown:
6h49
